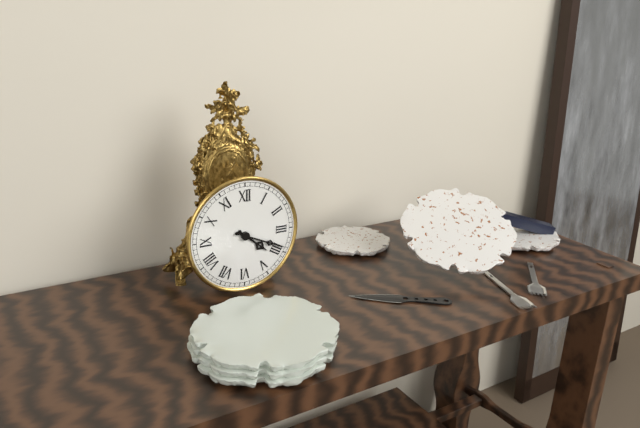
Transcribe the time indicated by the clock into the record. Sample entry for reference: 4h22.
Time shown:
4h19
